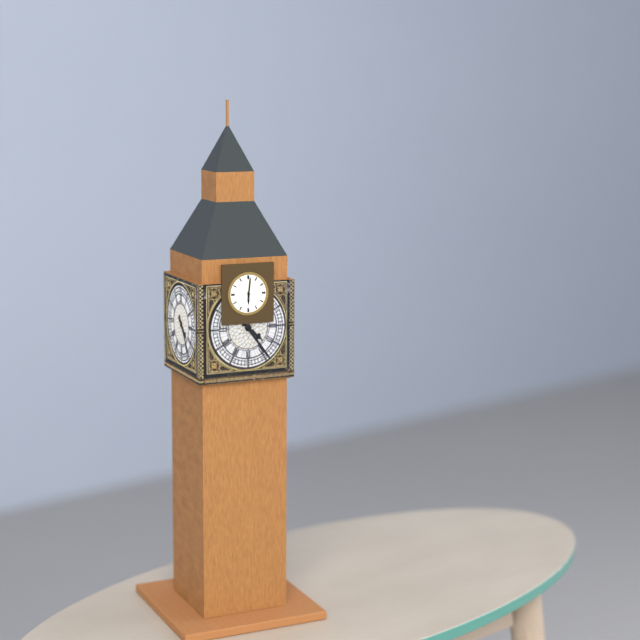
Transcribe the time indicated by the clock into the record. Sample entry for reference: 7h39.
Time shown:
6h01
